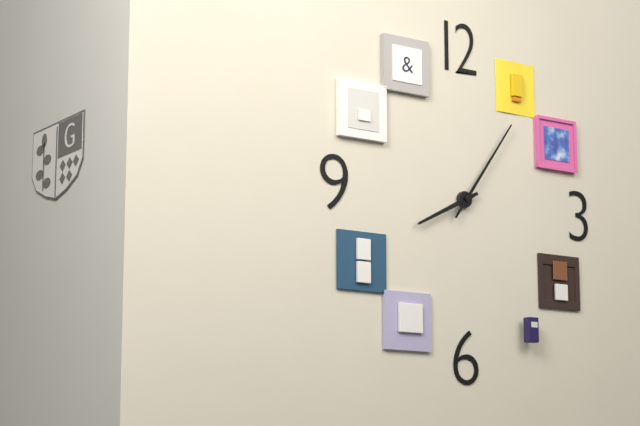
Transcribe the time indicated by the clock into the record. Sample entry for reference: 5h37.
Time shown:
8h06
